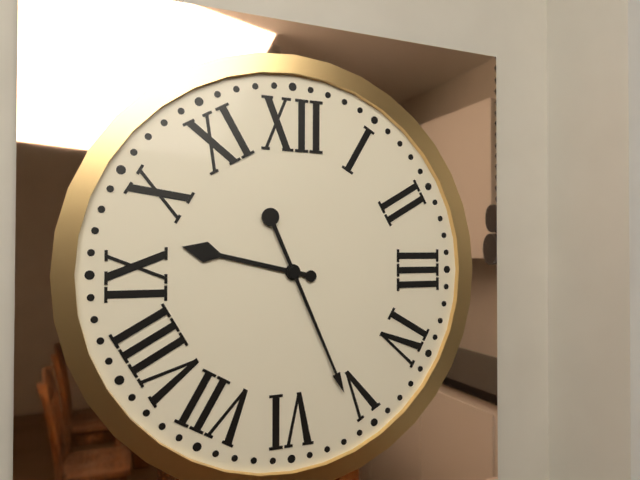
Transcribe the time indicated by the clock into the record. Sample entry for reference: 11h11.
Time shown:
9h26
